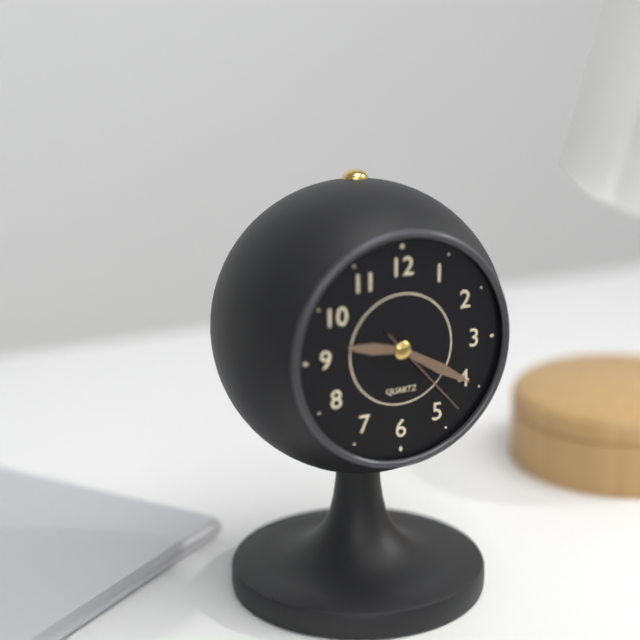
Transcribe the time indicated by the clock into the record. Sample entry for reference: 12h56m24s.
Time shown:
9h20m23s
